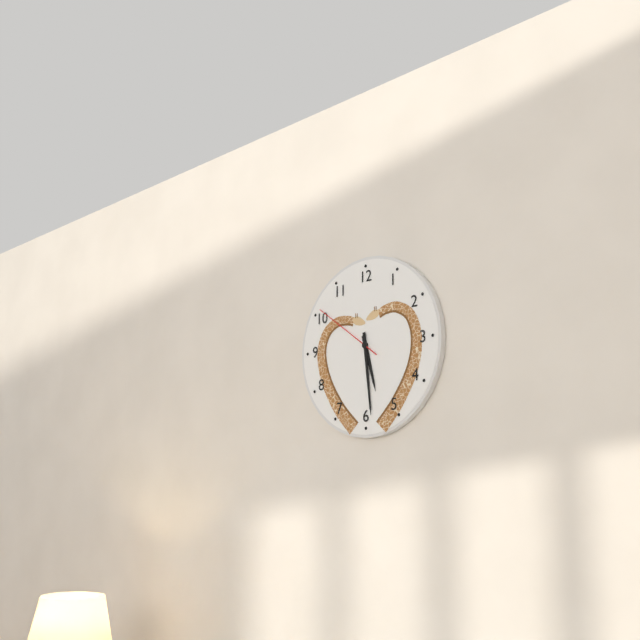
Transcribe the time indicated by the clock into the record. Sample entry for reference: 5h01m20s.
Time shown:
5h29m51s
